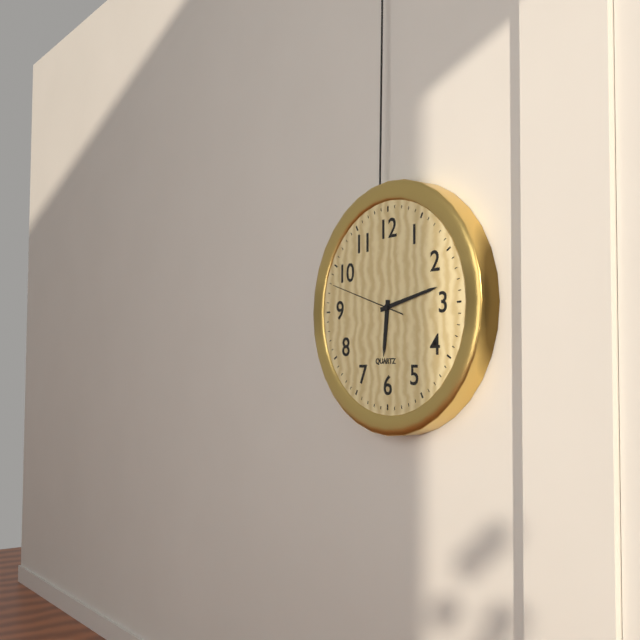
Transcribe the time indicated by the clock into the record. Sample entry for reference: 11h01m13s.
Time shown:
6h13m48s
